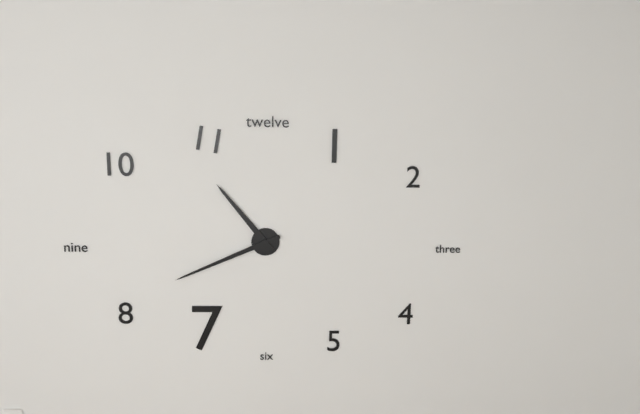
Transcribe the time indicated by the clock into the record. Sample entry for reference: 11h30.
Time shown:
10h41
